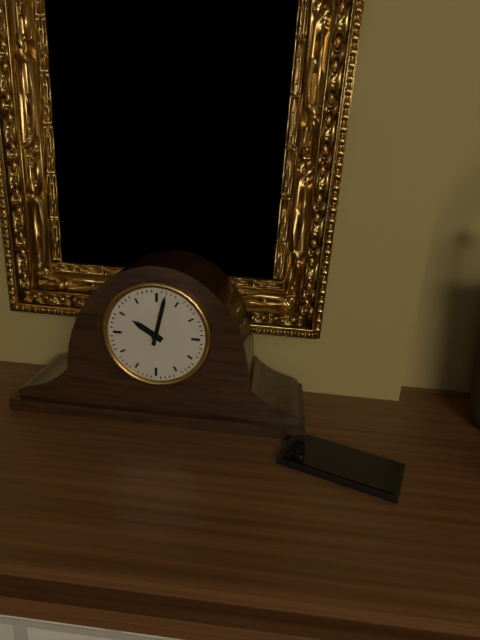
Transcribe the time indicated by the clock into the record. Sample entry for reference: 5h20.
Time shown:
10h02
